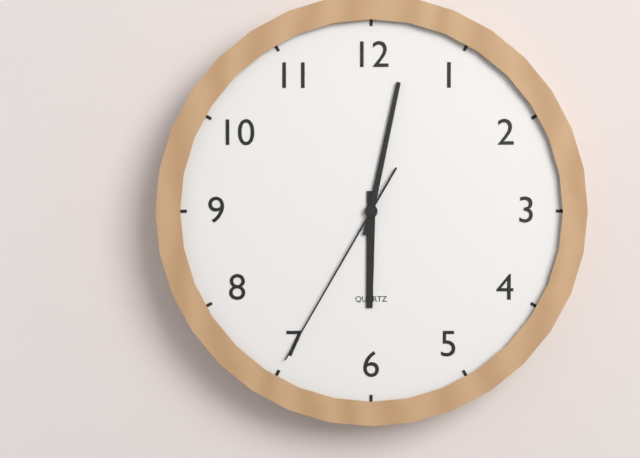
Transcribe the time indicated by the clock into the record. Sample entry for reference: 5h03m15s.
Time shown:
6h02m35s
